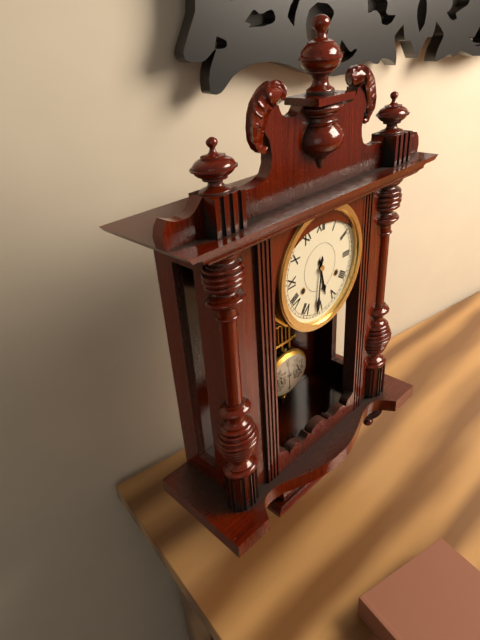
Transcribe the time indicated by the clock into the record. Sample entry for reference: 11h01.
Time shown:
5h31
